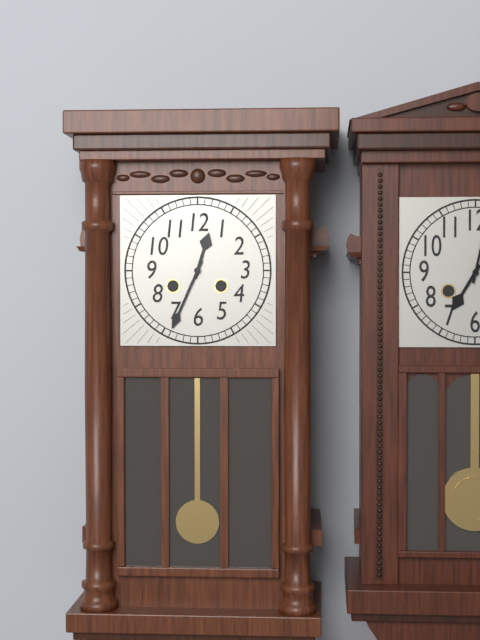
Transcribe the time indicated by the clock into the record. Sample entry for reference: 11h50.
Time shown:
12h34
